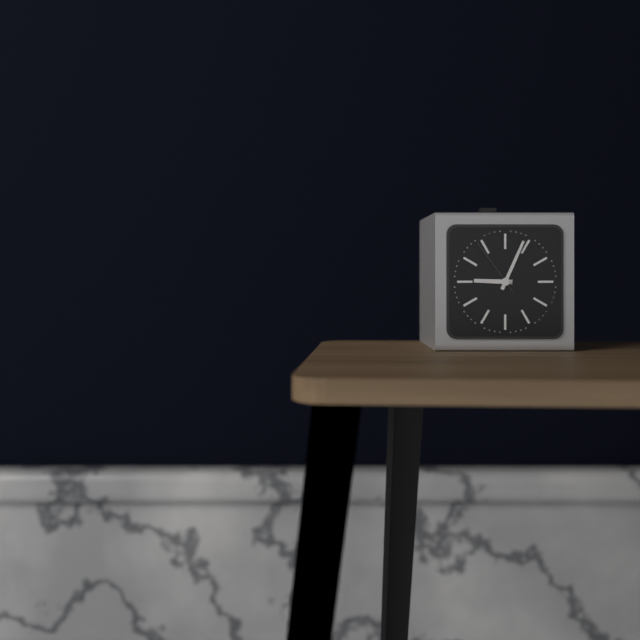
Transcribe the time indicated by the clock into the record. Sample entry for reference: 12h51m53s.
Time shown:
9h04m54s
